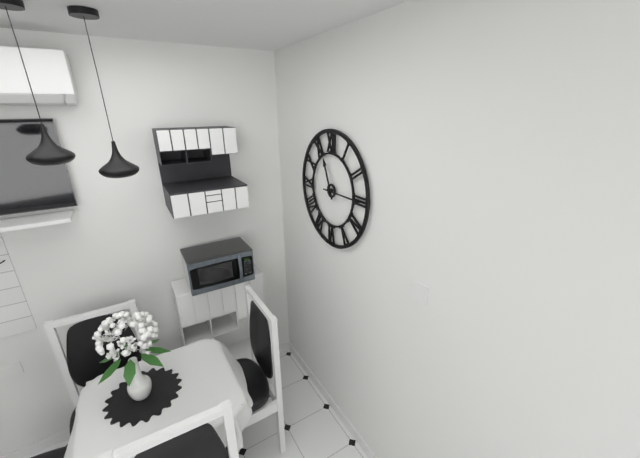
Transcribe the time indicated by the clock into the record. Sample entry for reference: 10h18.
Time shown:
11h15
